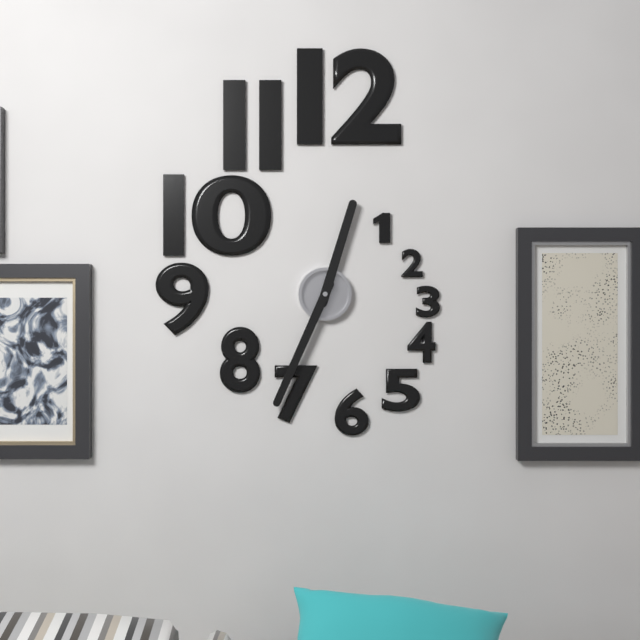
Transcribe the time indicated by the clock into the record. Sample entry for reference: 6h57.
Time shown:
12h34
